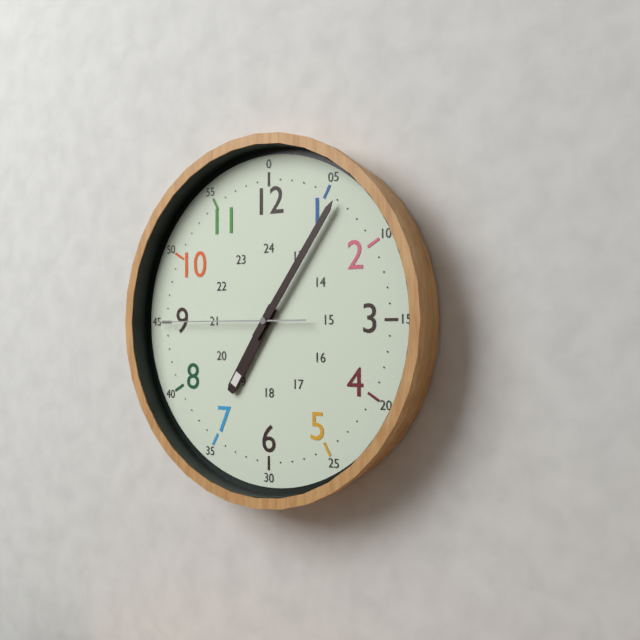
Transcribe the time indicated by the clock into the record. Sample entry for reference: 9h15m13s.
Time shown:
7h06m45s
